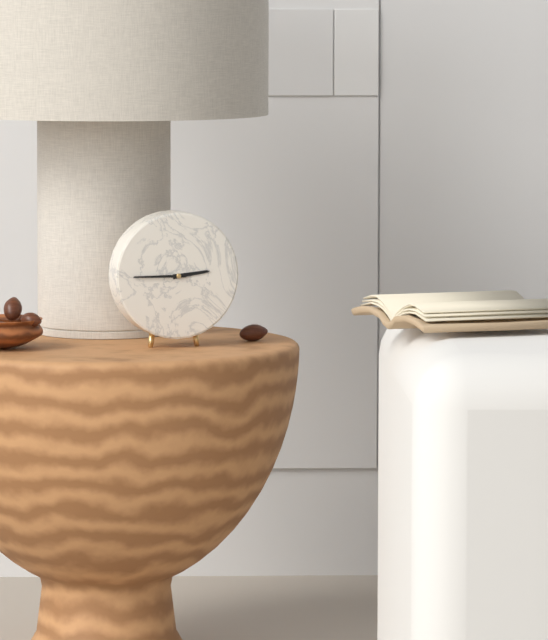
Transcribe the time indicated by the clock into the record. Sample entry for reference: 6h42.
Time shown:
2h45
